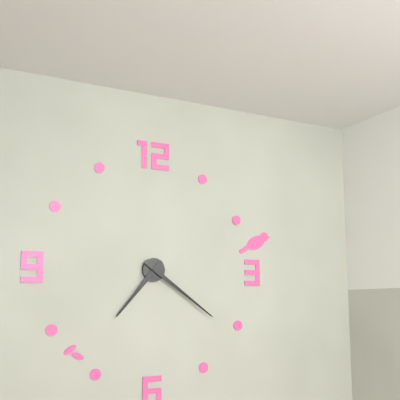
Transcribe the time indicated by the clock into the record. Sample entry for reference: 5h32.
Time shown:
7h21
